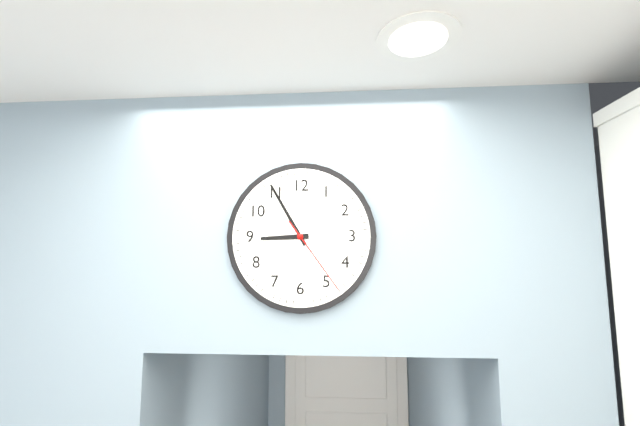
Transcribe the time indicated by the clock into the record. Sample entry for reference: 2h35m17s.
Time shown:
8h55m24s
